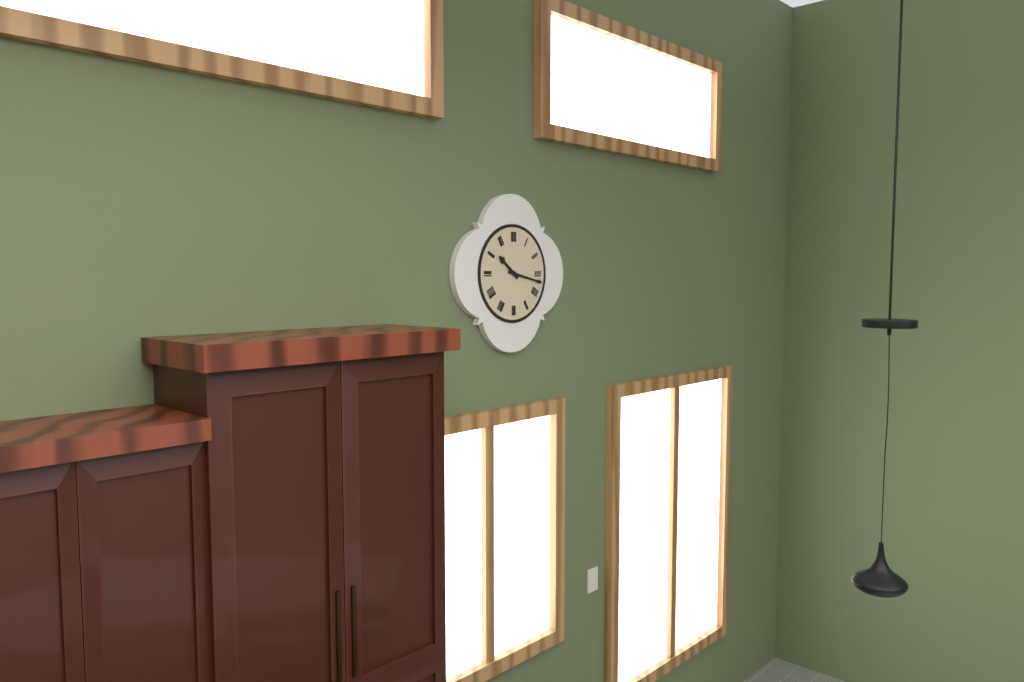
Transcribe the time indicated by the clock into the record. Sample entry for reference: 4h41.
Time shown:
10h17
